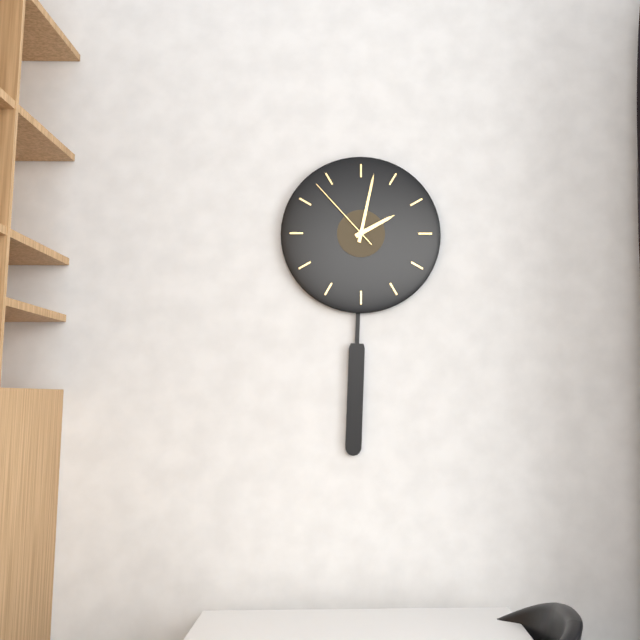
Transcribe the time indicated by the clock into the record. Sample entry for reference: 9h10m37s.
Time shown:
2h02m53s
